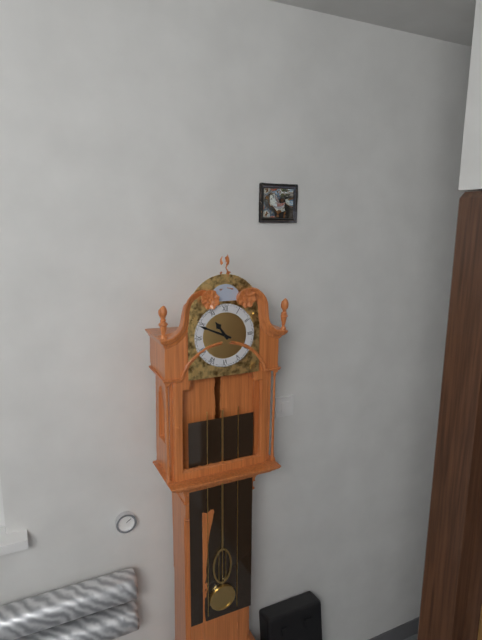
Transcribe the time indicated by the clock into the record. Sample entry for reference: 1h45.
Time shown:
10h49
